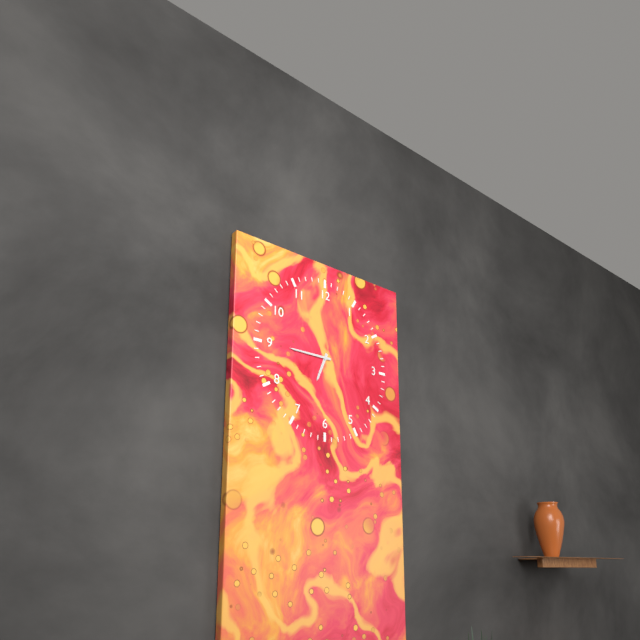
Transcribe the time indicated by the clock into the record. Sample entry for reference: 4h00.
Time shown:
6h45
